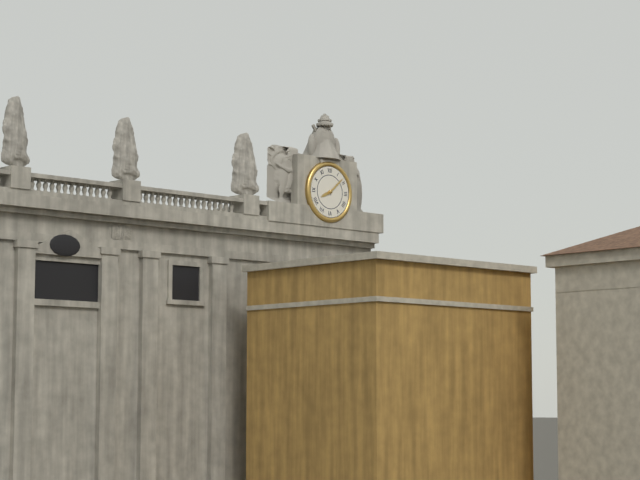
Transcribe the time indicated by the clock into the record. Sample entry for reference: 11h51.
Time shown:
8h08
